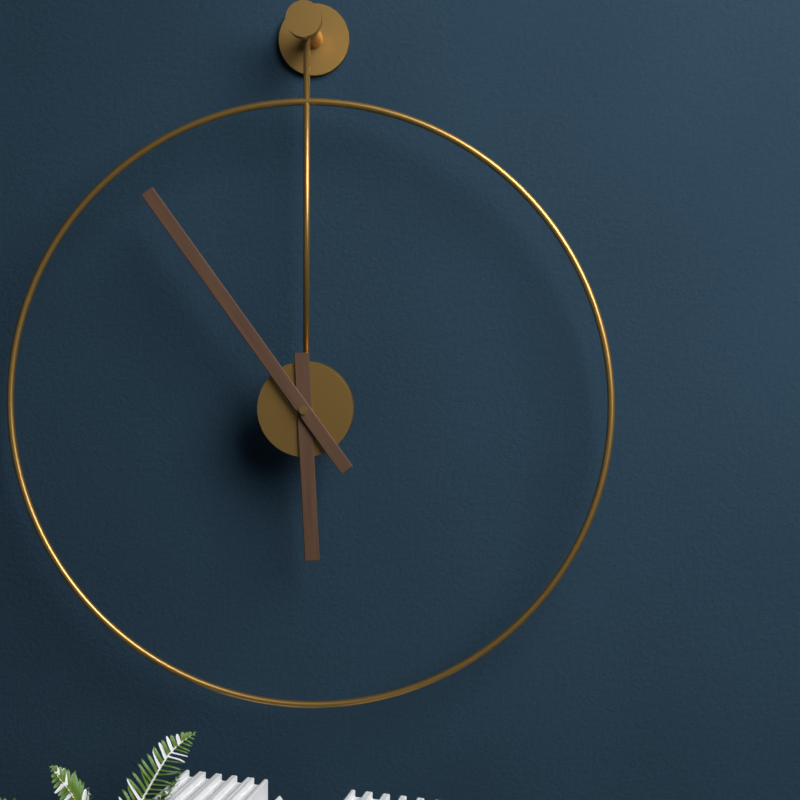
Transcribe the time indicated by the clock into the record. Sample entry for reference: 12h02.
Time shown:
5h54
